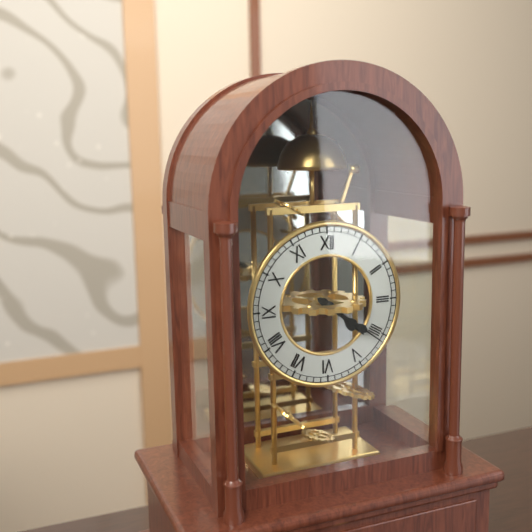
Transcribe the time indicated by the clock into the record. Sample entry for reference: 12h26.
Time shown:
4h21
